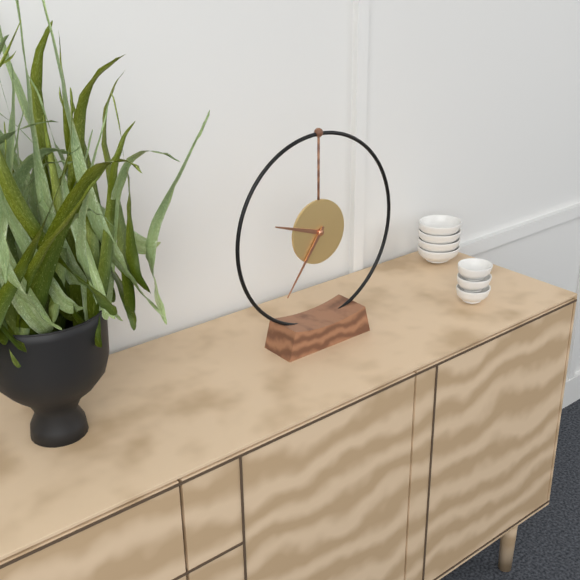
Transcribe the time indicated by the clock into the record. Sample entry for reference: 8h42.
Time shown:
9h36
